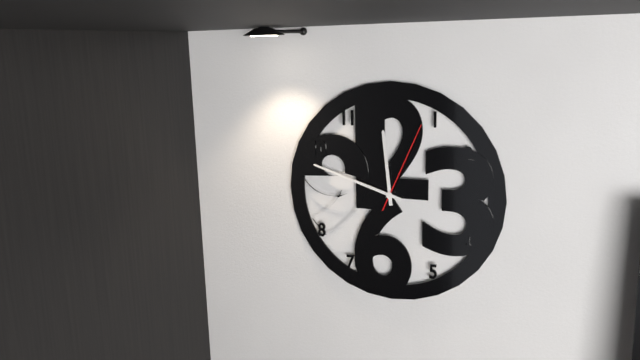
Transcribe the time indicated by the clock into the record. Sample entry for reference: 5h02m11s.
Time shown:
11h48m04s
